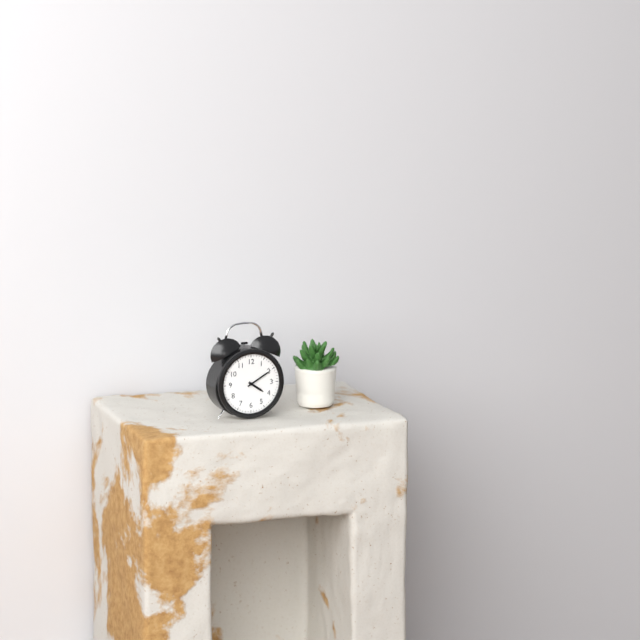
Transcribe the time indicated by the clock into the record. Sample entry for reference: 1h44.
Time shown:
4h10
